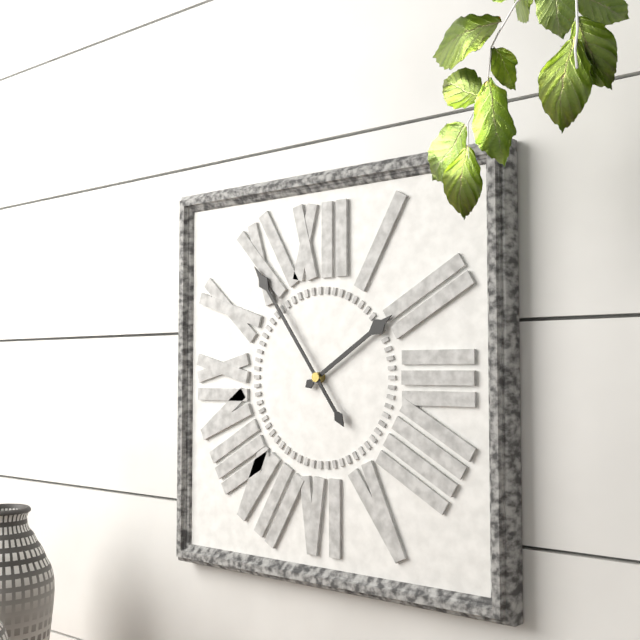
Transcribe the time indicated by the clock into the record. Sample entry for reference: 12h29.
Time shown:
1h54
